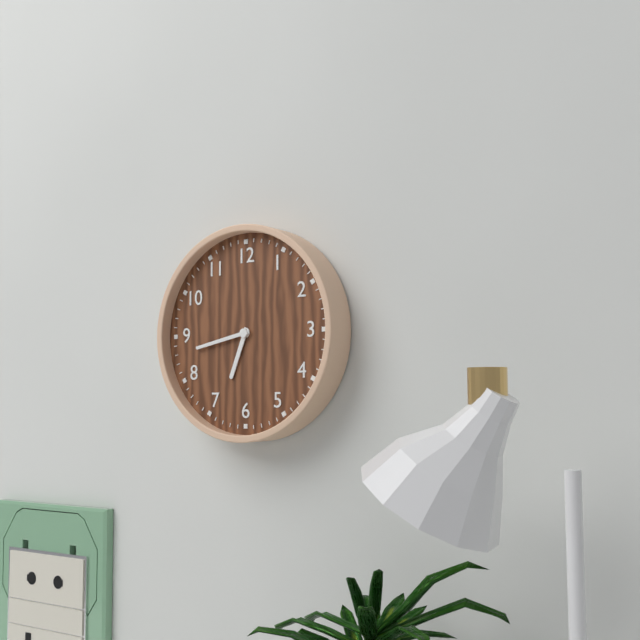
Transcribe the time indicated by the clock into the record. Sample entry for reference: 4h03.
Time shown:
6h43
